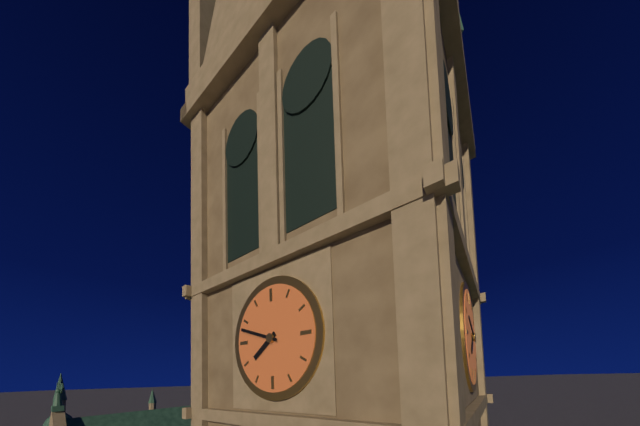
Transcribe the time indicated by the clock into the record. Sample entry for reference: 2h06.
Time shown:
7h48
